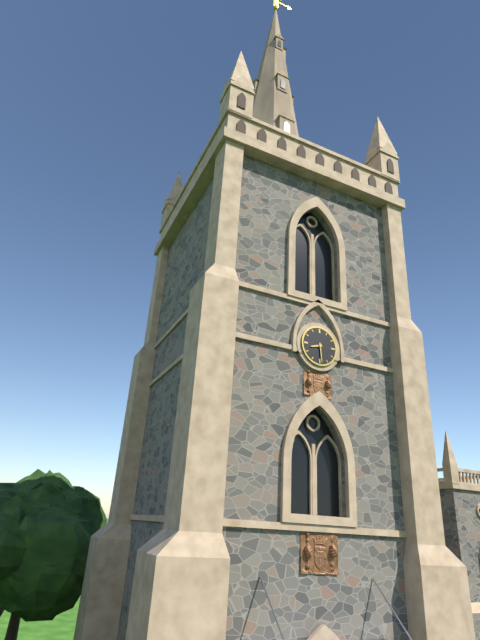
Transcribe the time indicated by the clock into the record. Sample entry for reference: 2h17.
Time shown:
8h29
